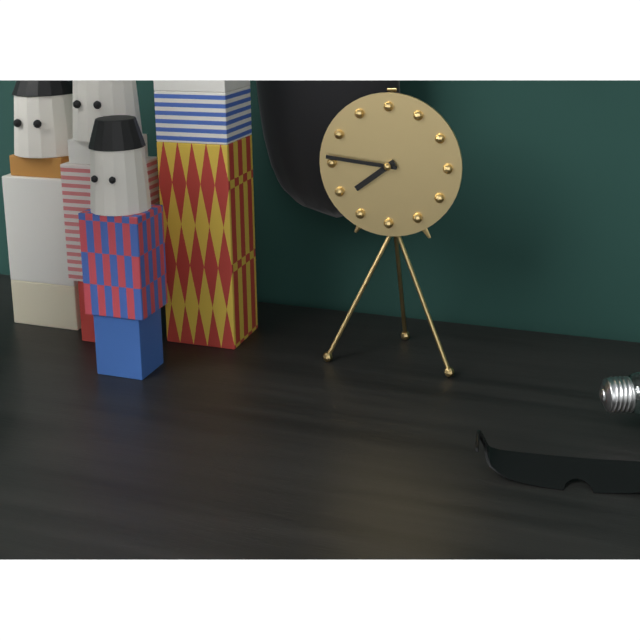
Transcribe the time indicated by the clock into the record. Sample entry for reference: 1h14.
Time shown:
7h46
